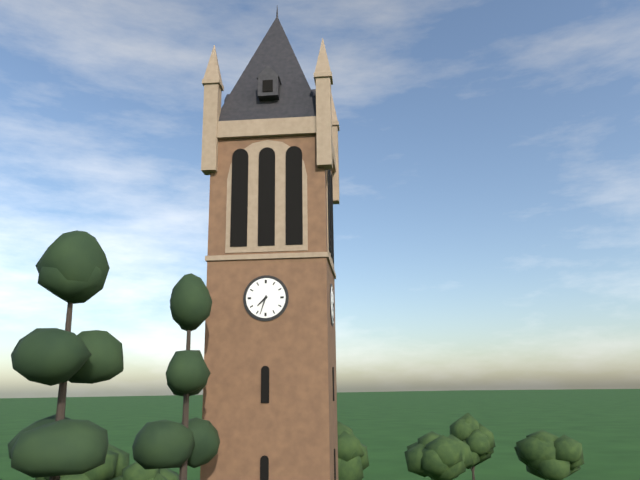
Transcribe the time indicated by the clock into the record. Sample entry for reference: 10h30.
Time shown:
7h33
